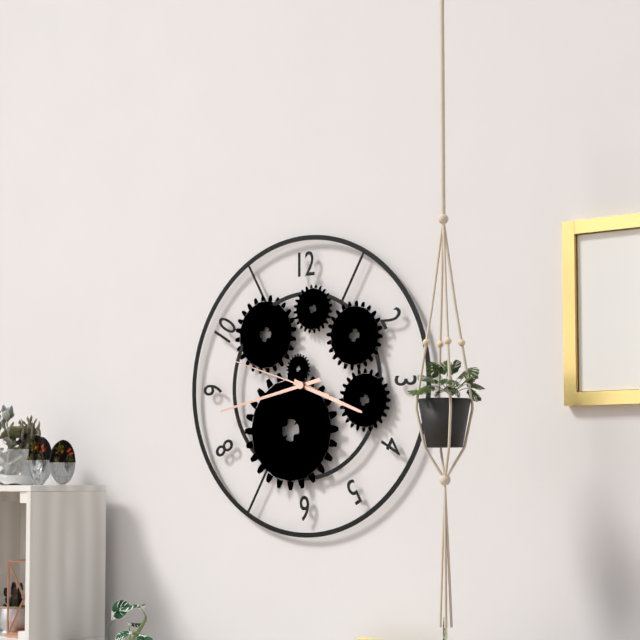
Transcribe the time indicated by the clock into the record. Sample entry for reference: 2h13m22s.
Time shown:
3h43m48s
